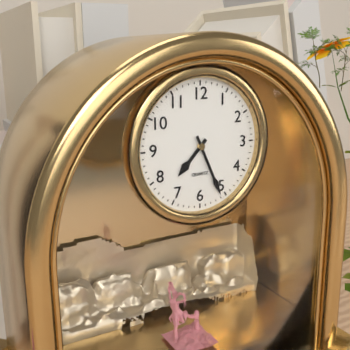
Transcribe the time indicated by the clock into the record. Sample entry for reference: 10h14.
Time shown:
7h26
